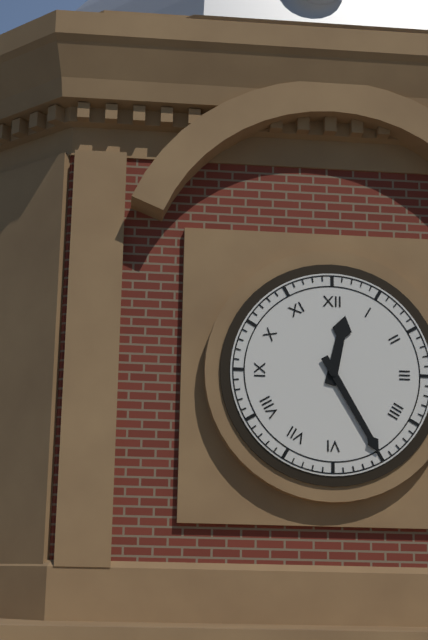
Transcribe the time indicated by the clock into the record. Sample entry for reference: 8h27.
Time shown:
12h25
